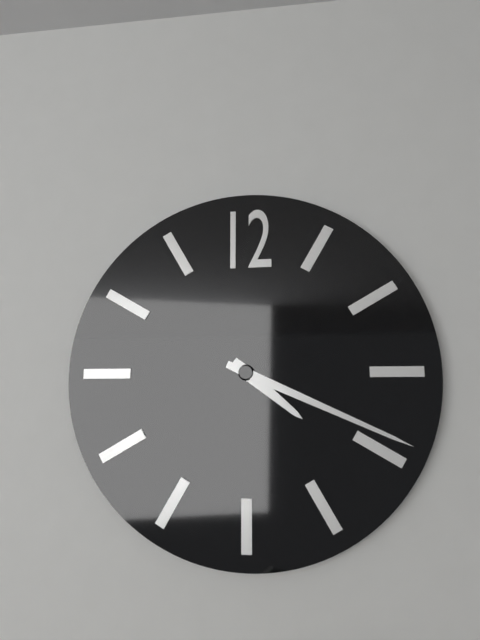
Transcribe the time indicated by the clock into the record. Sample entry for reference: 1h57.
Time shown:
4h19
